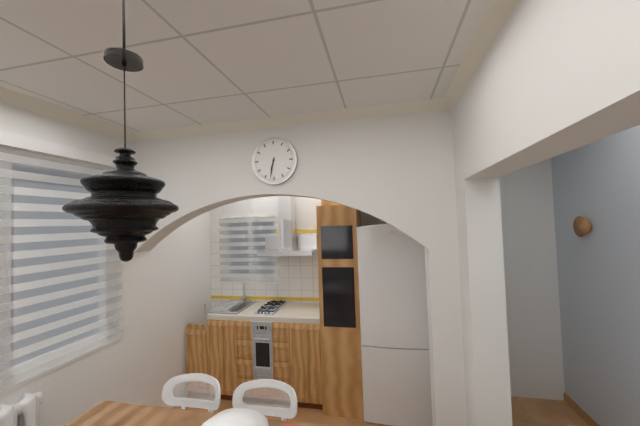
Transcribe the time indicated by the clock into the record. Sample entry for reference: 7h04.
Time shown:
6h32
